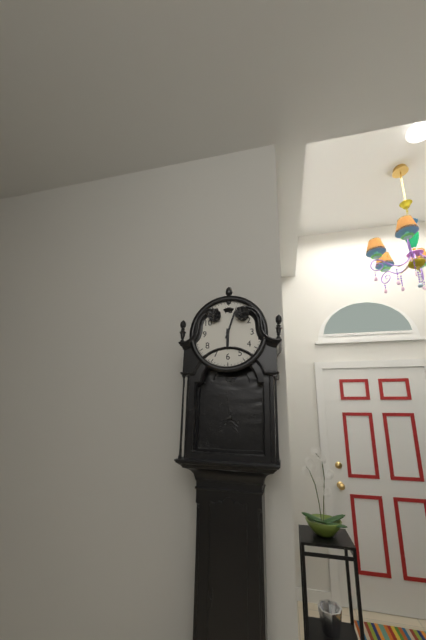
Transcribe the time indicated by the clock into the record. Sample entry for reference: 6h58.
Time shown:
6h03
